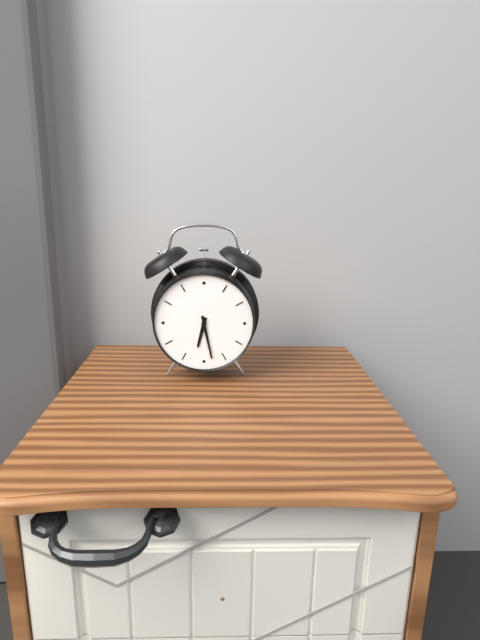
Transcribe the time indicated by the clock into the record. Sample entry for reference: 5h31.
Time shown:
6h28
